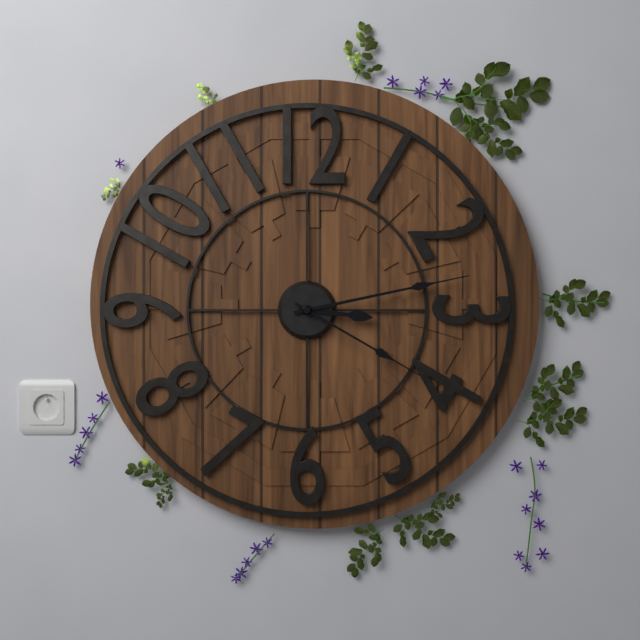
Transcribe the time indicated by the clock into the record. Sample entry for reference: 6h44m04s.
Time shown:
3h13m20s
